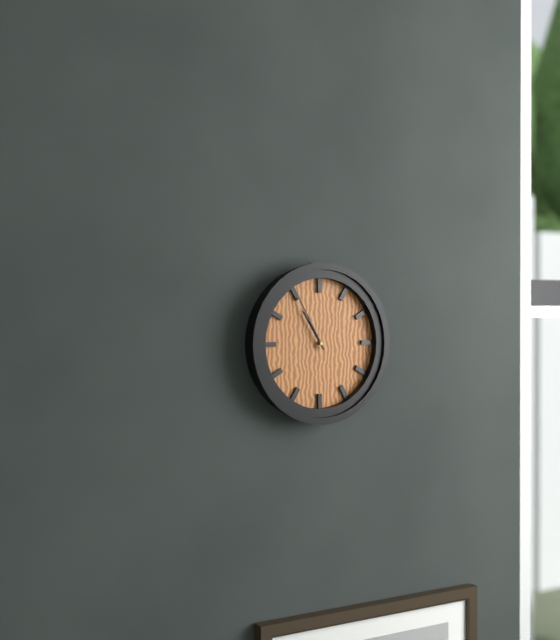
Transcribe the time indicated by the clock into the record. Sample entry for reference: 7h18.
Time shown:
10h55
